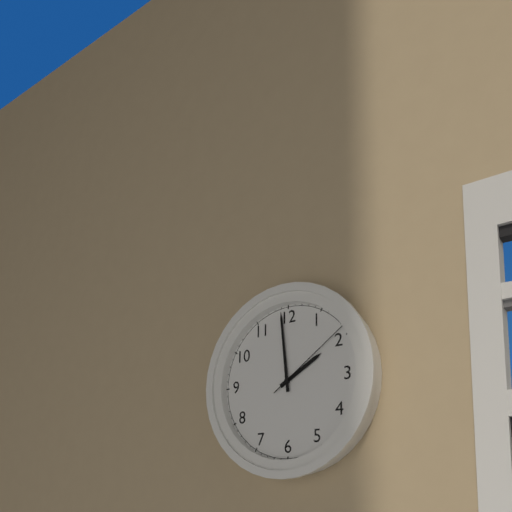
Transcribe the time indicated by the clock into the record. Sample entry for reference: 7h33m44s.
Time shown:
1h59m09s
